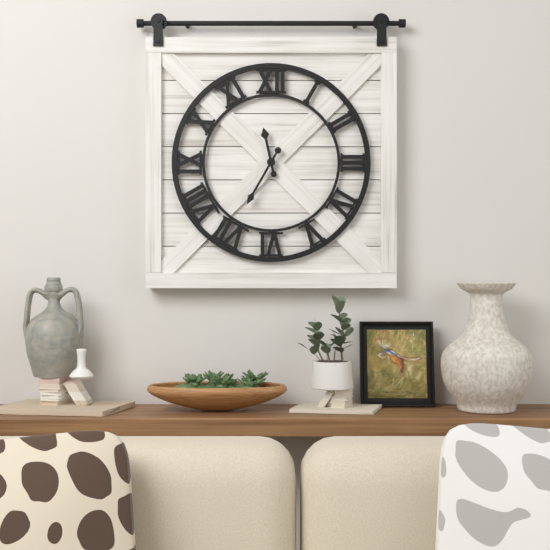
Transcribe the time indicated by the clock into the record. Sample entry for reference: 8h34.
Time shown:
11h35
